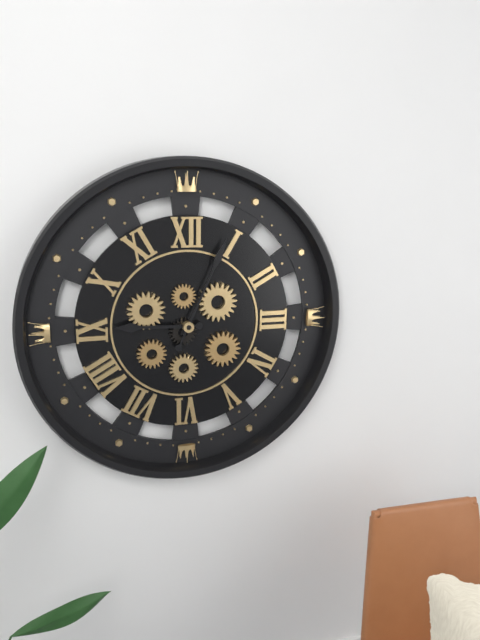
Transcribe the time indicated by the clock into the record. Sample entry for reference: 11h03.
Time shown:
9h04
